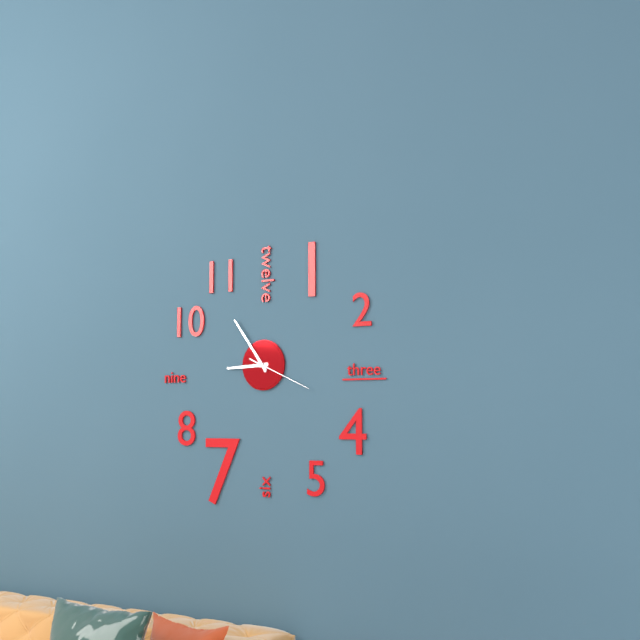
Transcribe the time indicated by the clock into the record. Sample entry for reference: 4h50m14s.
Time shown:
8h54m19s
